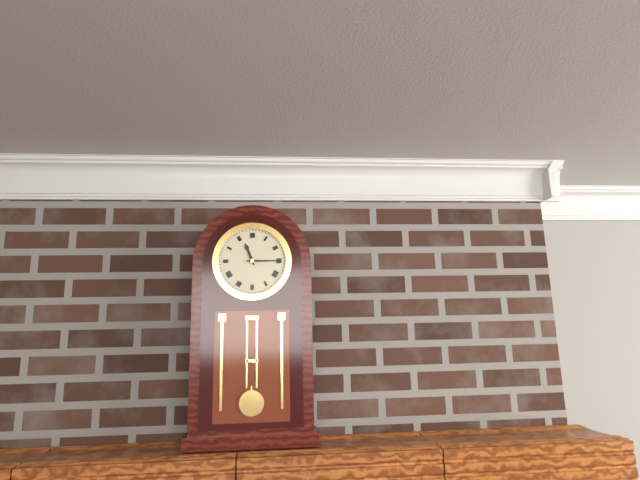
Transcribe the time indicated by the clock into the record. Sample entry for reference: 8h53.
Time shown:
11h15
